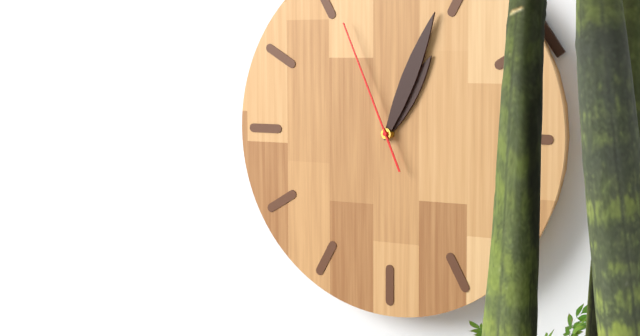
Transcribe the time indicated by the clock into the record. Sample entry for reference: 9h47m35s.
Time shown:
1h04m56s
